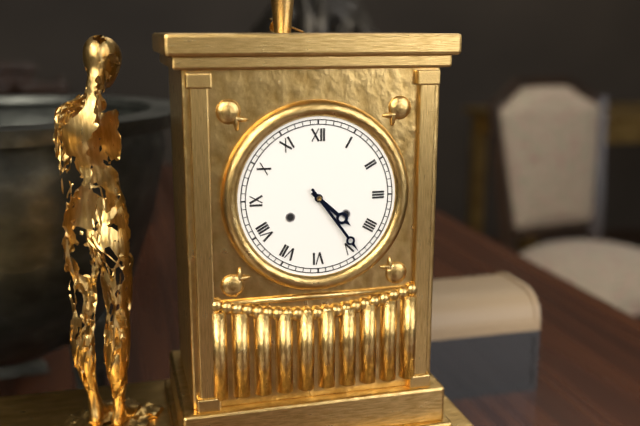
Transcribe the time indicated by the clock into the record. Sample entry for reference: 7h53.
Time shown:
4h24
